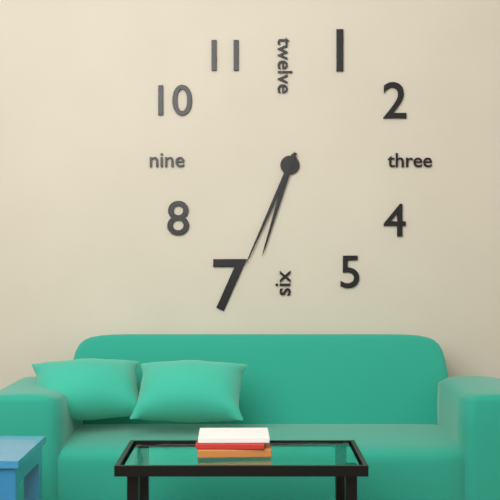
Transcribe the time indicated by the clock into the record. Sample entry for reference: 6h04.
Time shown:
6h34
